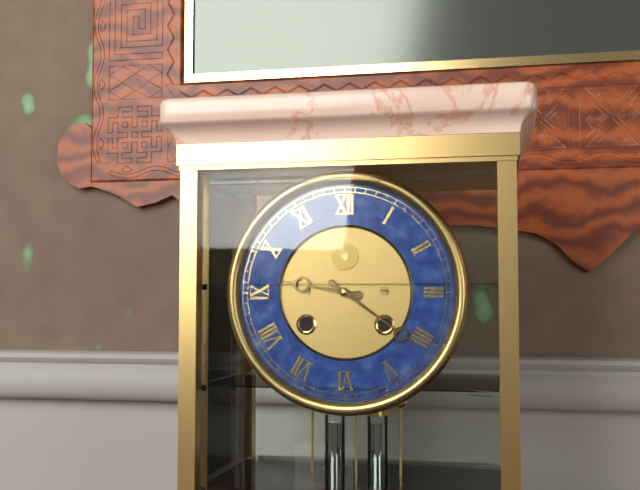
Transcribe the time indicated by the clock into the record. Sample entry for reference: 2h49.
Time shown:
9h21
